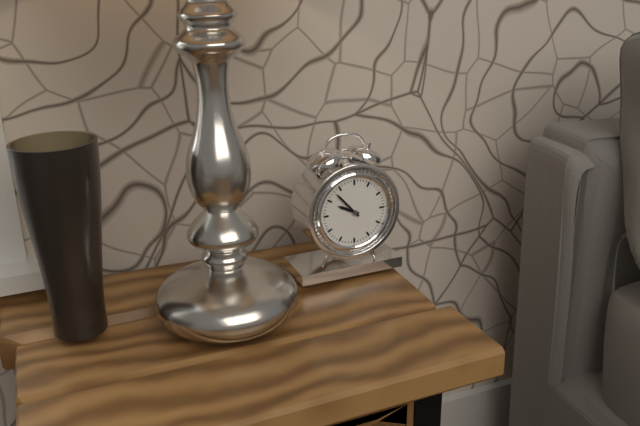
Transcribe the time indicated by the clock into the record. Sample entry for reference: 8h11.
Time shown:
9h53
